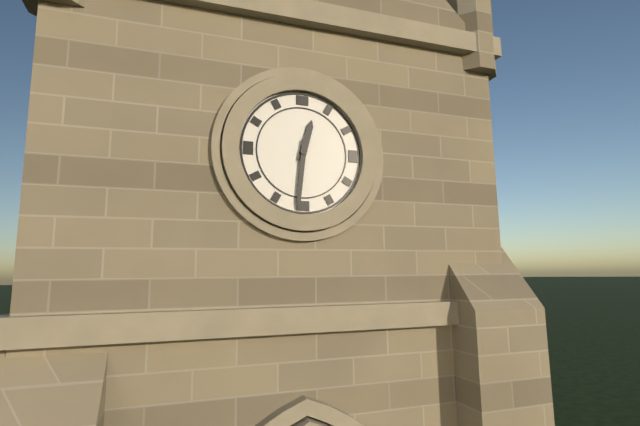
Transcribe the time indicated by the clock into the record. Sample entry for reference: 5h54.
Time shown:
12h31
